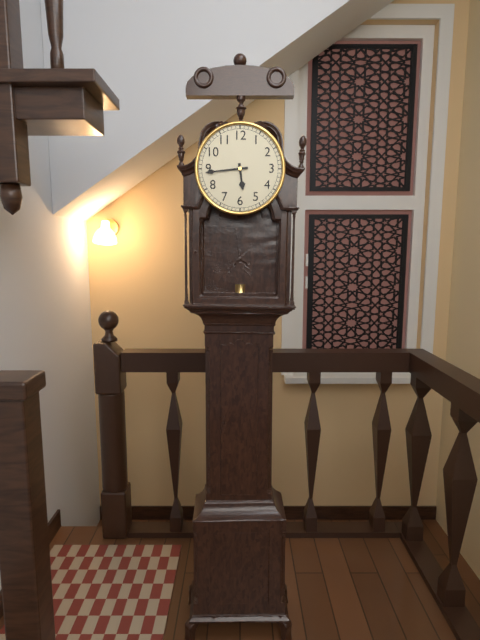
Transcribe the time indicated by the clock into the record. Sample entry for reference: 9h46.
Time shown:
5h44
